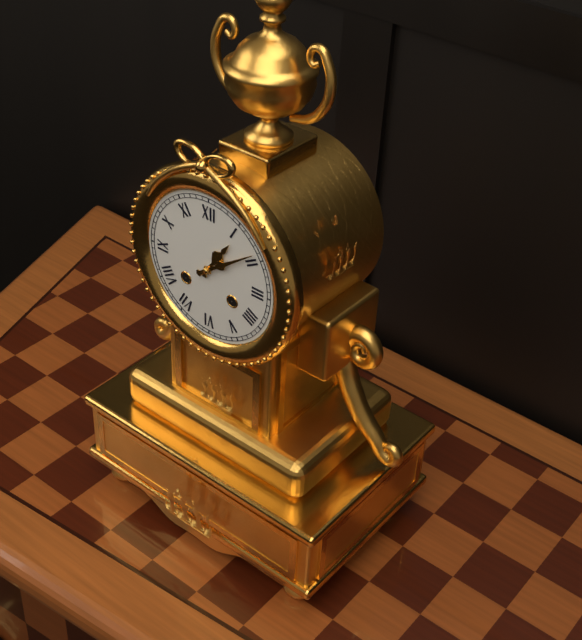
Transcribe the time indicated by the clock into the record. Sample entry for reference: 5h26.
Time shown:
1h09
